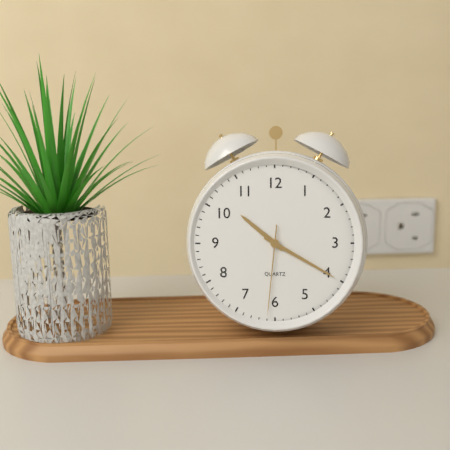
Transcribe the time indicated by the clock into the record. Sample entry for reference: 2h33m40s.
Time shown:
10h20m31s
